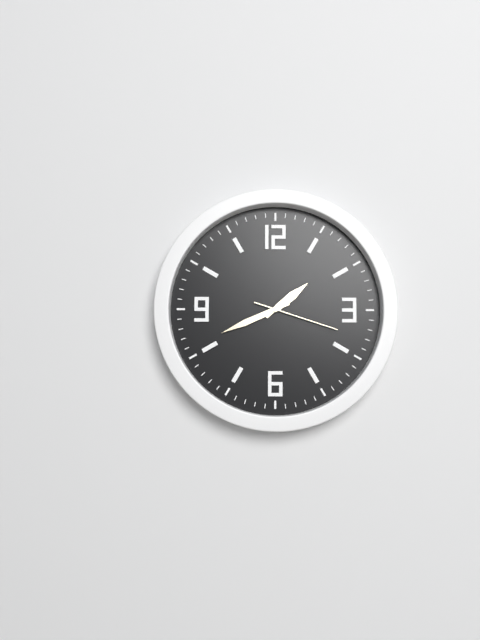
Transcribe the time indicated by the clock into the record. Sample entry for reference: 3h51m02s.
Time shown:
1h41m18s
